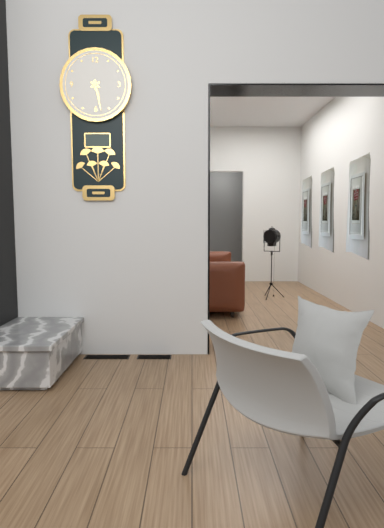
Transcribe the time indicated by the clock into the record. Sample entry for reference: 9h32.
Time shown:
5h28
